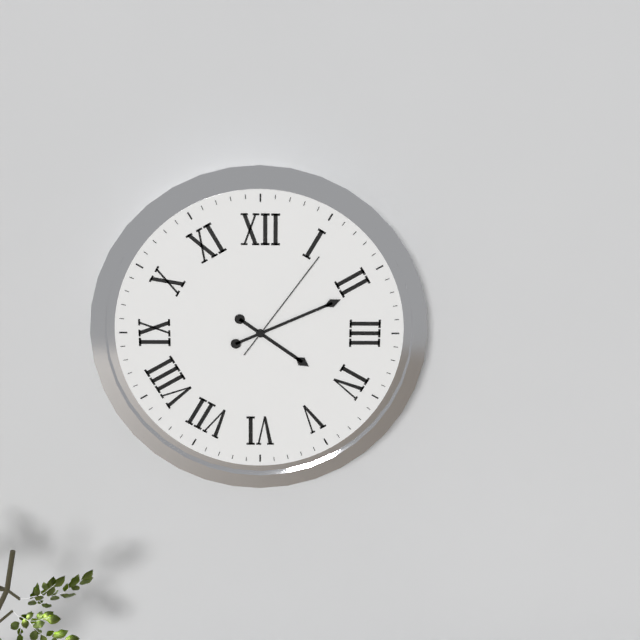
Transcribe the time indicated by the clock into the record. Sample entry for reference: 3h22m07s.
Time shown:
4h11m06s
